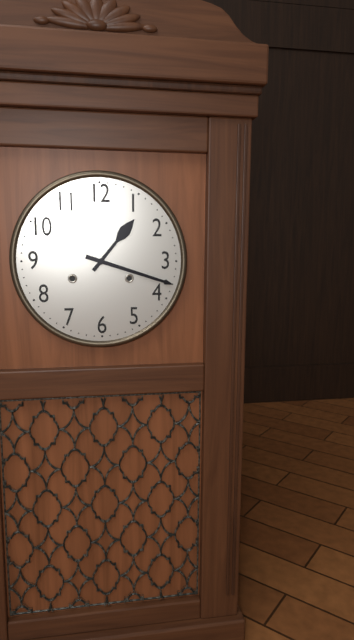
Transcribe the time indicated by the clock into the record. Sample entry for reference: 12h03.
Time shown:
1h18
